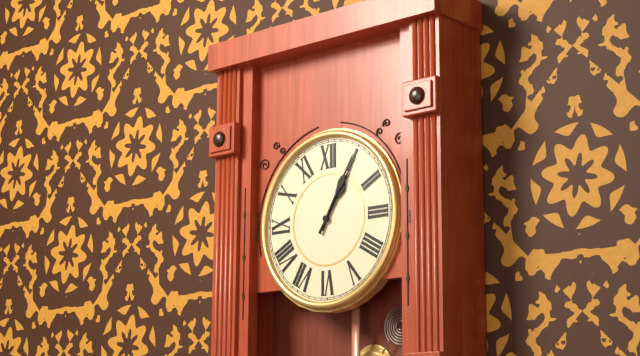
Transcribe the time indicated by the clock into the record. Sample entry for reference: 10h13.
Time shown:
1h05
